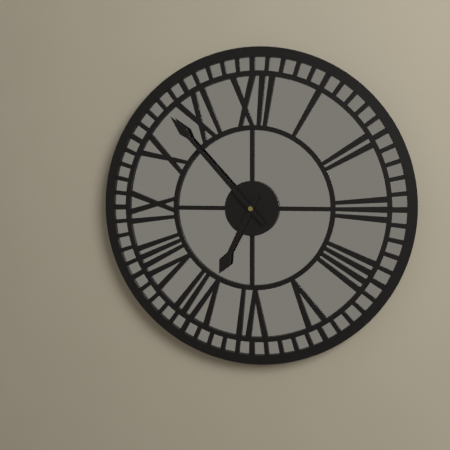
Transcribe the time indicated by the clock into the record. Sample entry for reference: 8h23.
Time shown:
6h53
